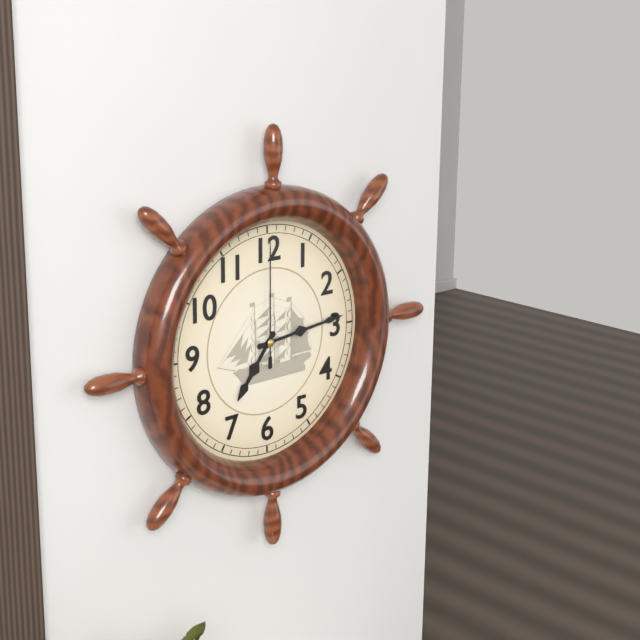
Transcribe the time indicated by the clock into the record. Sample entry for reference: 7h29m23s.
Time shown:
7h14m00s
